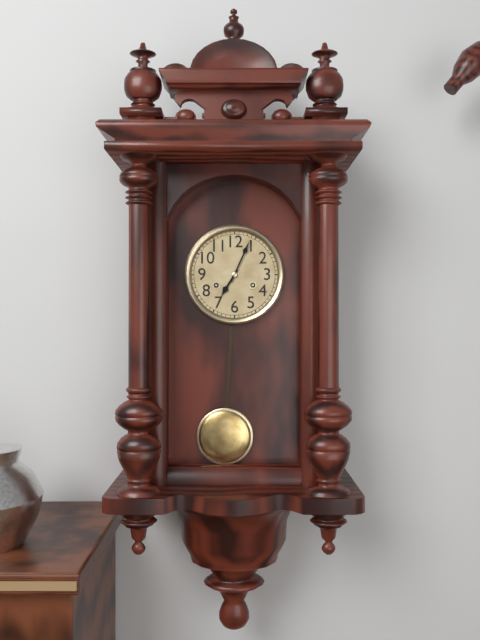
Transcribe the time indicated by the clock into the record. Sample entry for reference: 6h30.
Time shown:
7h04
